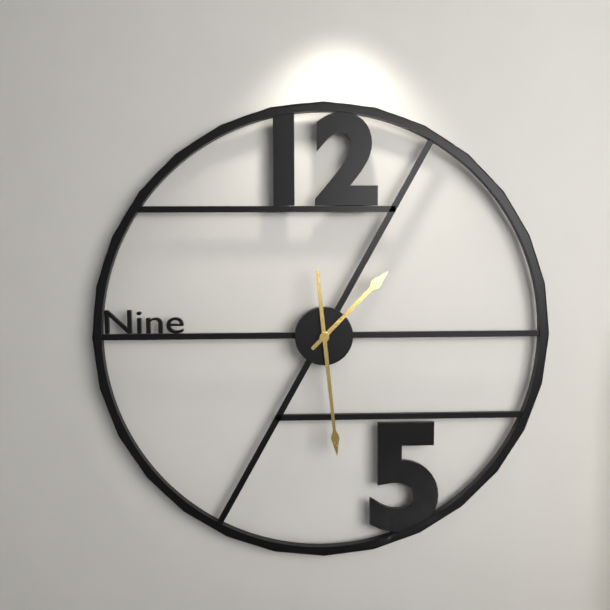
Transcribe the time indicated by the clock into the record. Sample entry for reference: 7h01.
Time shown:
1h29
